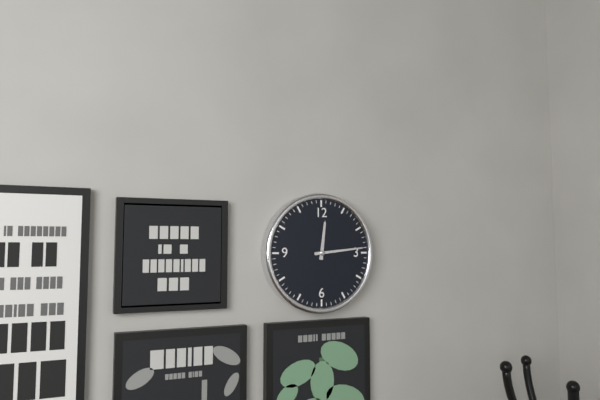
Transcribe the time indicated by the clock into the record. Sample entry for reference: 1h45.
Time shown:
12h14
